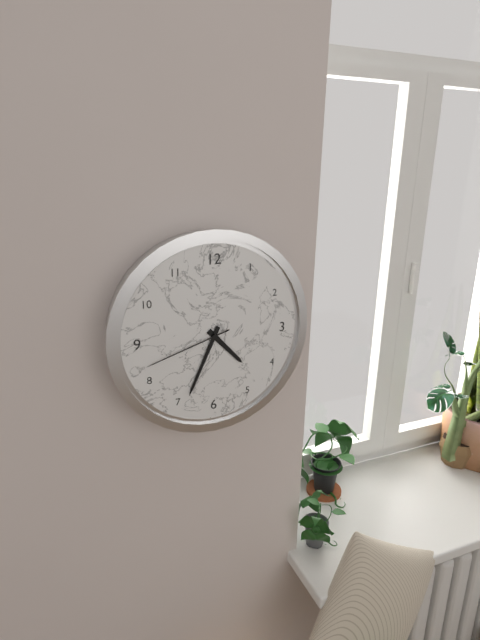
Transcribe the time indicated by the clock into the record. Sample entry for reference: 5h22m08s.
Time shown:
4h34m42s
